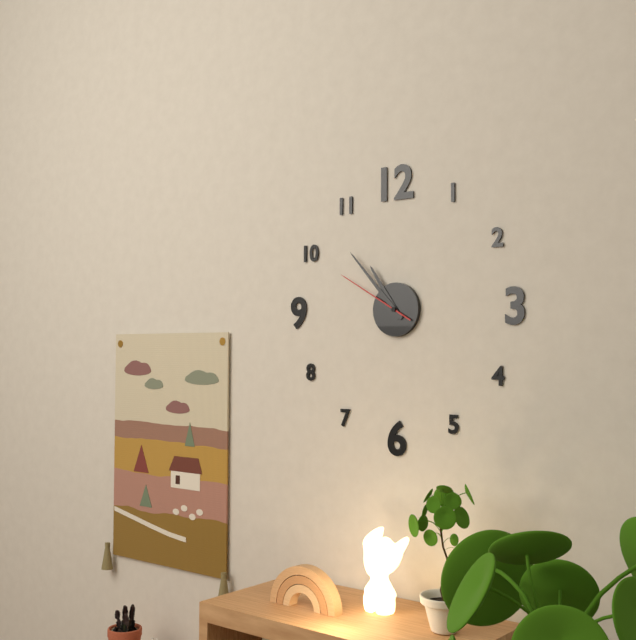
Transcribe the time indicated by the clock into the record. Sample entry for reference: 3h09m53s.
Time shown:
10h53m50s
